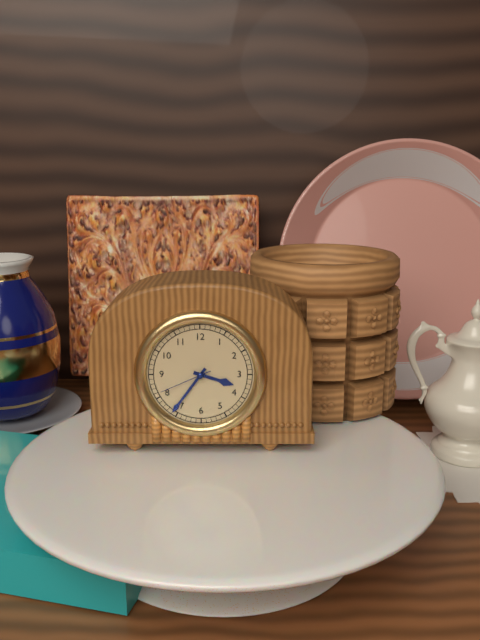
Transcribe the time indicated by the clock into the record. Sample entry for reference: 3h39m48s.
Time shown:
3h36m41s
